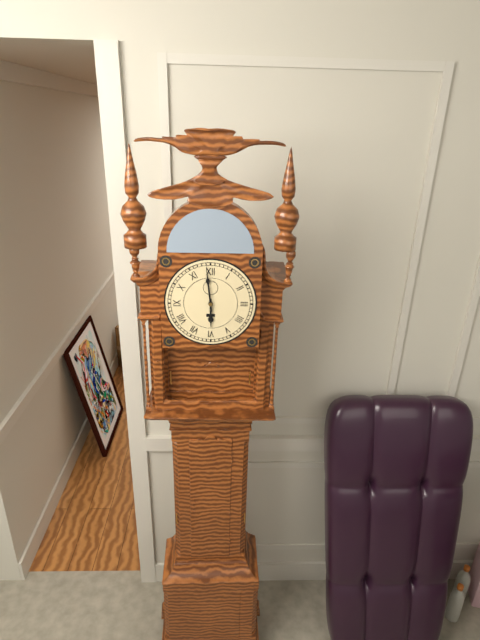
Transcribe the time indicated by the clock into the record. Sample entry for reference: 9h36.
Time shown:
5h59
